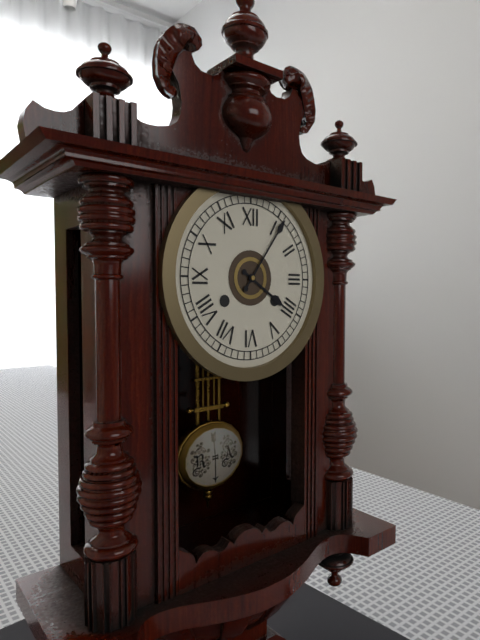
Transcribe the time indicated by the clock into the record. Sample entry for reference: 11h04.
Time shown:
4h06
